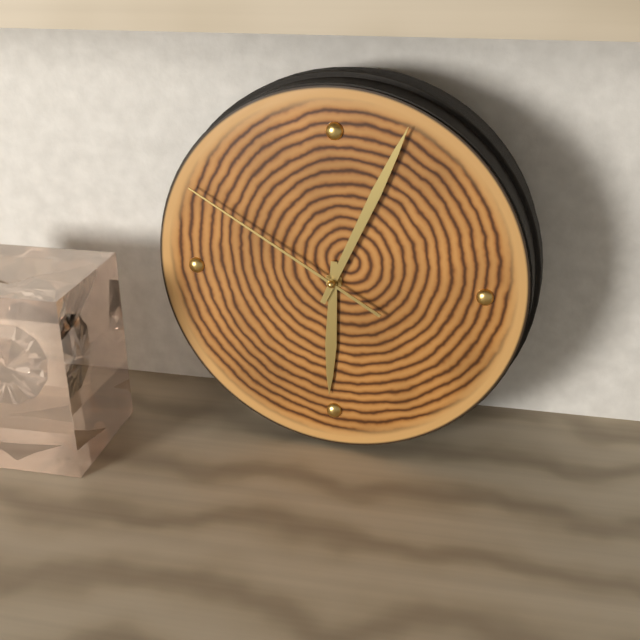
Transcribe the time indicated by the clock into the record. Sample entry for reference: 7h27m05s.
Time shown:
6h04m50s
